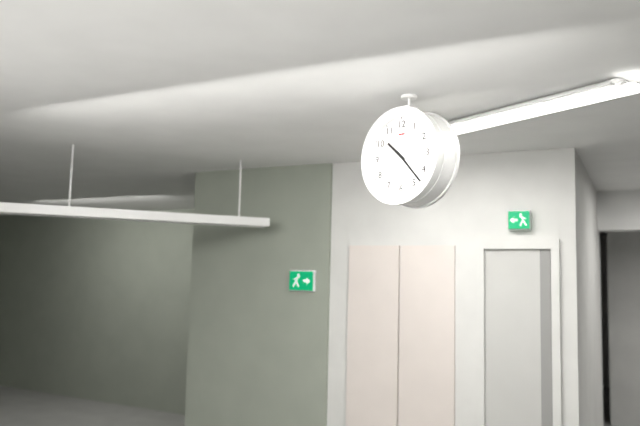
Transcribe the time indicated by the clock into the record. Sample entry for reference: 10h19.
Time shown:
10h23
